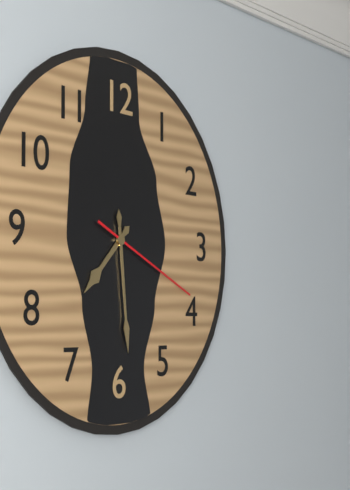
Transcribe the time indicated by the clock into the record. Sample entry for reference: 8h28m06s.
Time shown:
7h29m19s
